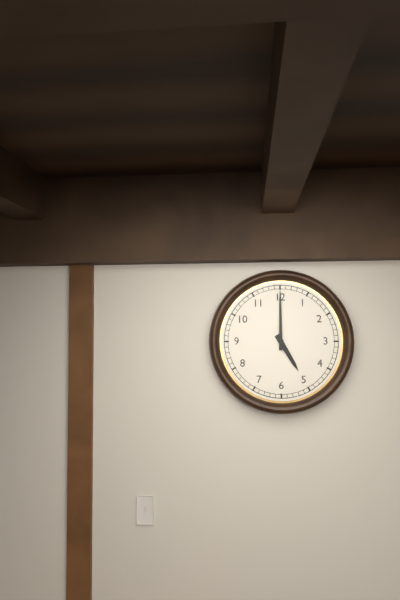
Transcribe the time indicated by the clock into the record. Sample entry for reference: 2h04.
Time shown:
5h00
